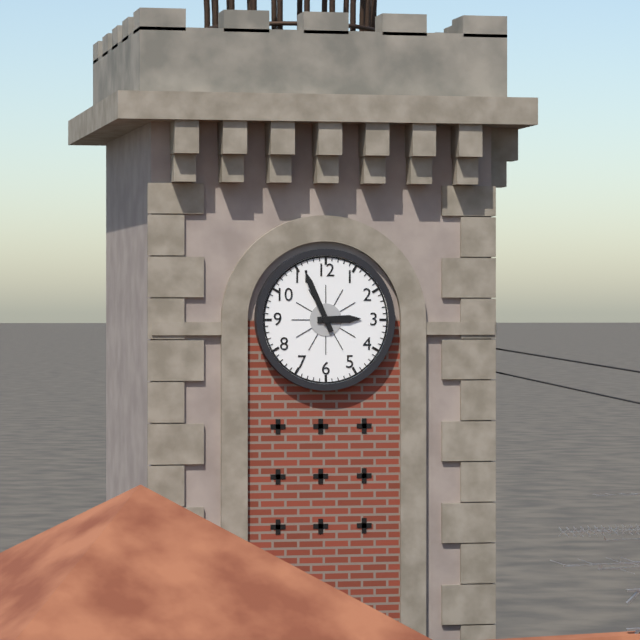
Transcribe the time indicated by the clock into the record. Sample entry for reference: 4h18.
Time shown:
2h56
